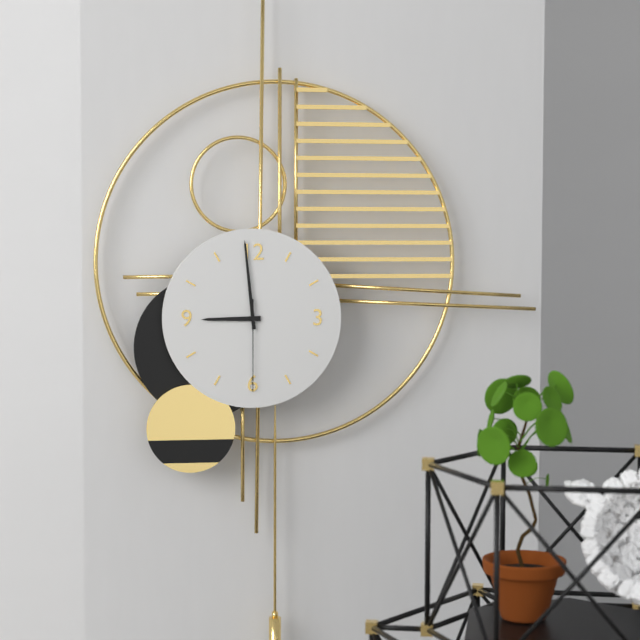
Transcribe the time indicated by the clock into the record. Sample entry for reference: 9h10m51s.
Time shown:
8h59m30s
